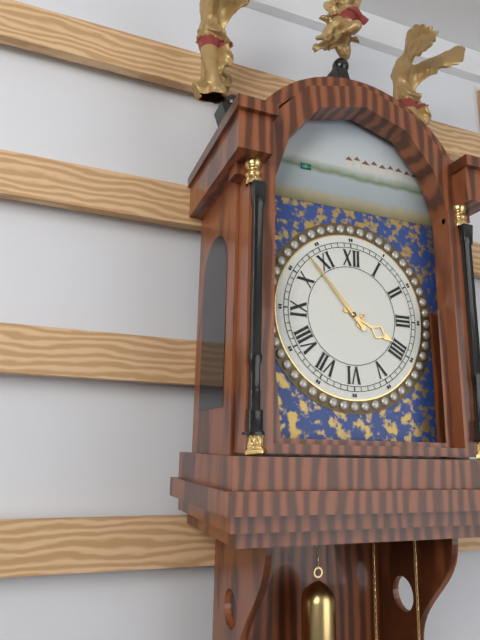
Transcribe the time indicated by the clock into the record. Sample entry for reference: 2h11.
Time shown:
3h53
